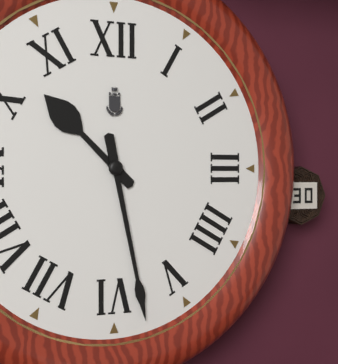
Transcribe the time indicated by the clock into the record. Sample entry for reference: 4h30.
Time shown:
10h28
